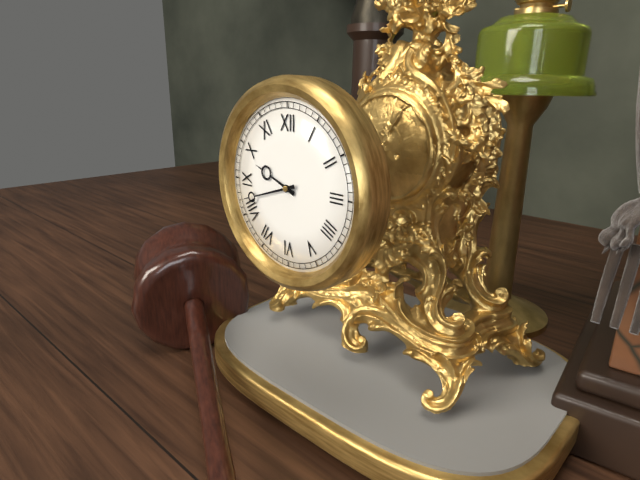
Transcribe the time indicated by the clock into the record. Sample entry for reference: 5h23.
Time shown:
9h42
